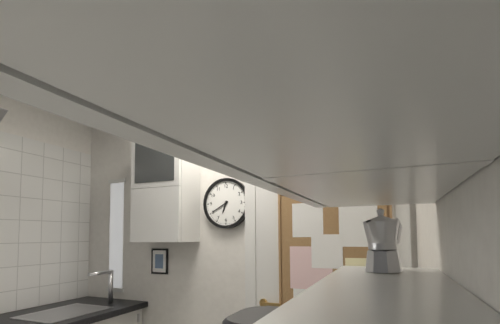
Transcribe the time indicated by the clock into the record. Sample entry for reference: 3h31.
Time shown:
6h40
